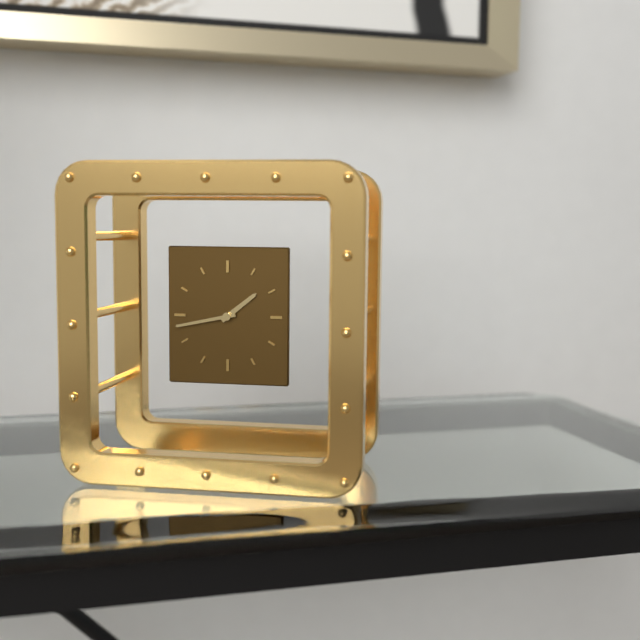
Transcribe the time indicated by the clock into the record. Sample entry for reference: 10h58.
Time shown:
1h43
